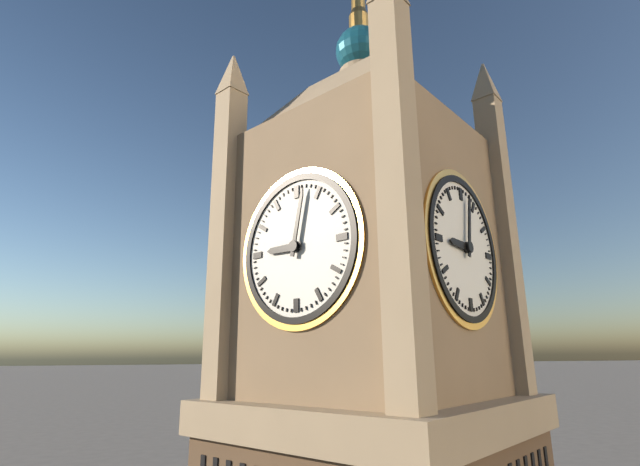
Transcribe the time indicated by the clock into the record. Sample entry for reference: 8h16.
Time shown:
9h02
